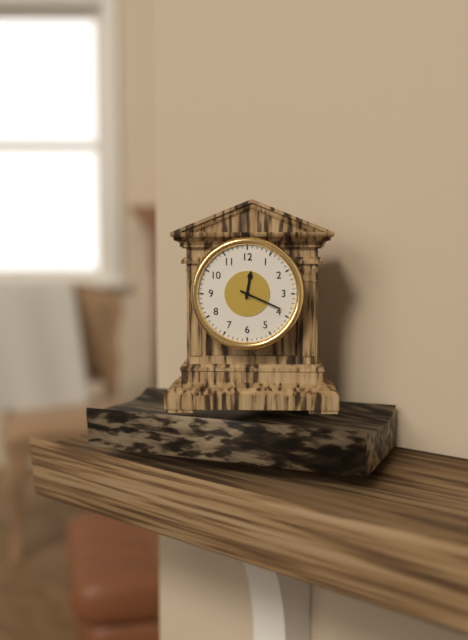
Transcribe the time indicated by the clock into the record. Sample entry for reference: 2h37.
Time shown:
12h19
